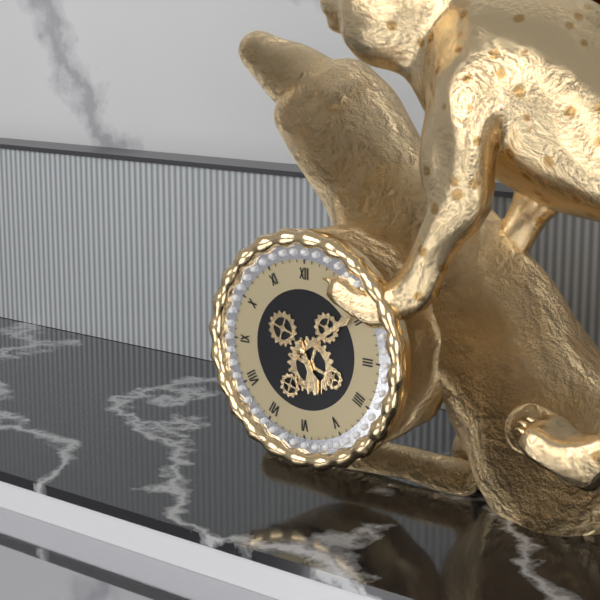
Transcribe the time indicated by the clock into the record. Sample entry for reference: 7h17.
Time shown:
5h09
